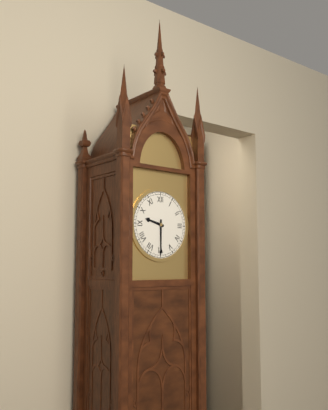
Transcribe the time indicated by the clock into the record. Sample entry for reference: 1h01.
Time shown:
9h30
